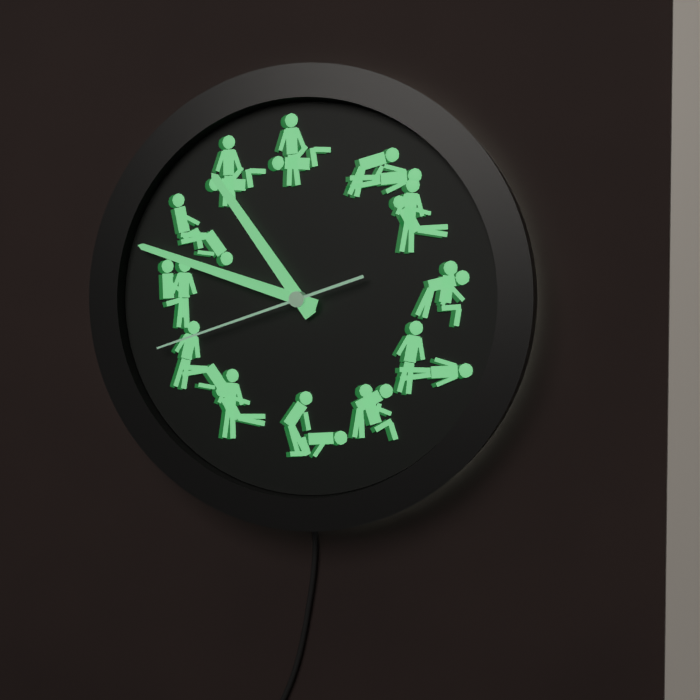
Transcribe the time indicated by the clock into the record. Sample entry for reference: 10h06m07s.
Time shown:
10h48m42s
